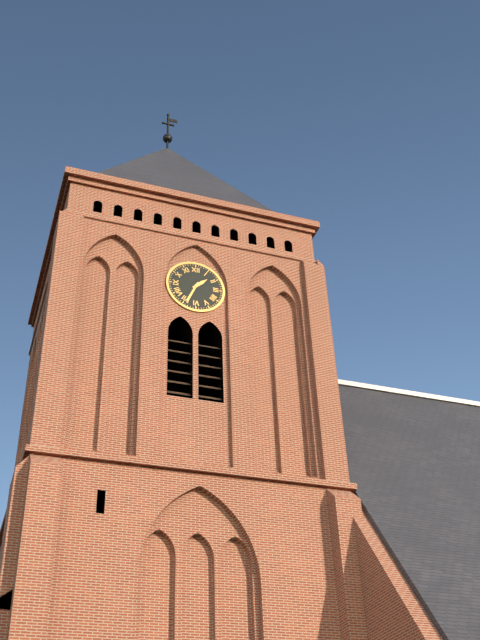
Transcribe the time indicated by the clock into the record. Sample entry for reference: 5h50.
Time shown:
1h34
